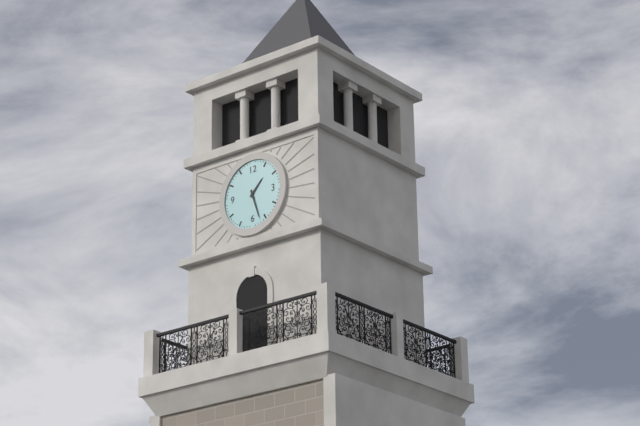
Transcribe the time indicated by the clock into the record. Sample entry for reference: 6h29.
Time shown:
1h27
